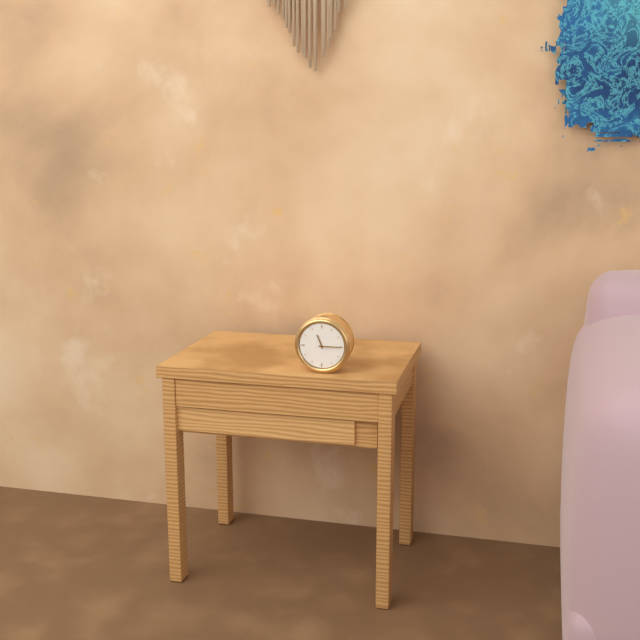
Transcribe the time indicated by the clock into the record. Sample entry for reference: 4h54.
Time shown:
11h15
